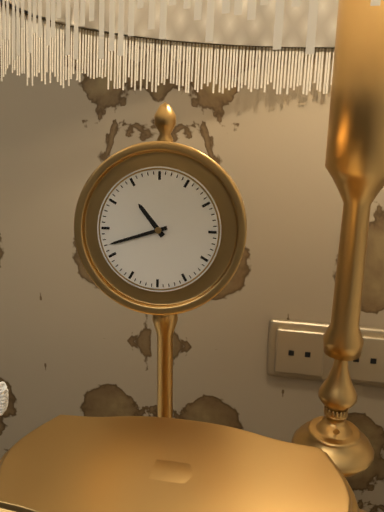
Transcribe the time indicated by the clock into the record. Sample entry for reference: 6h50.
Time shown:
10h42
